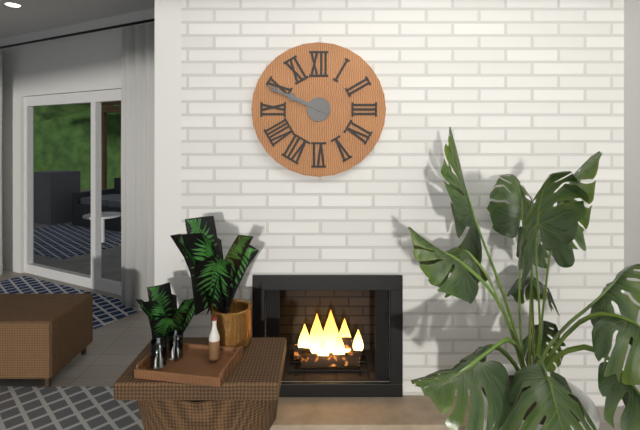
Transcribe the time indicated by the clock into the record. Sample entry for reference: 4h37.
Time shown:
9h49
